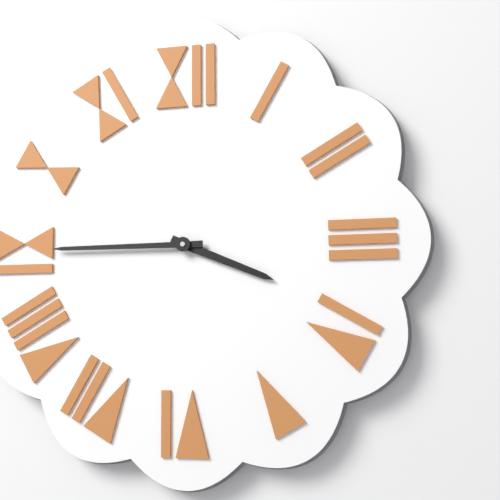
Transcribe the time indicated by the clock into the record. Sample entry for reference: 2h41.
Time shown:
3h45
